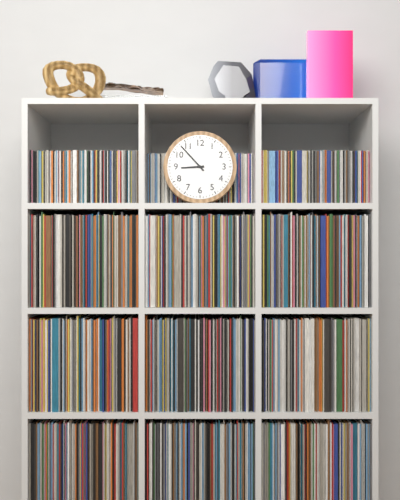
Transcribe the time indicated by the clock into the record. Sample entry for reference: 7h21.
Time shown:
8h53
